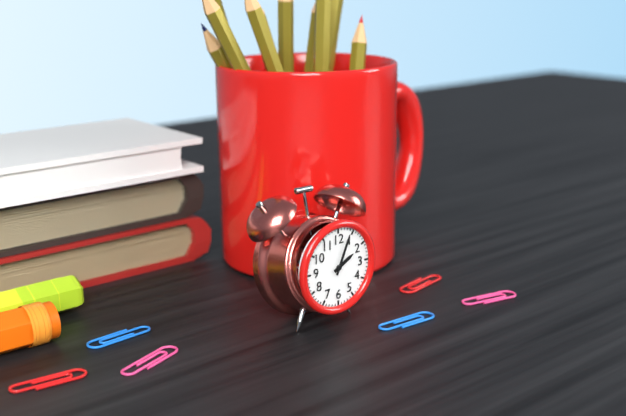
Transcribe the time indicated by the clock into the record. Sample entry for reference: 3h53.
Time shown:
2h04
